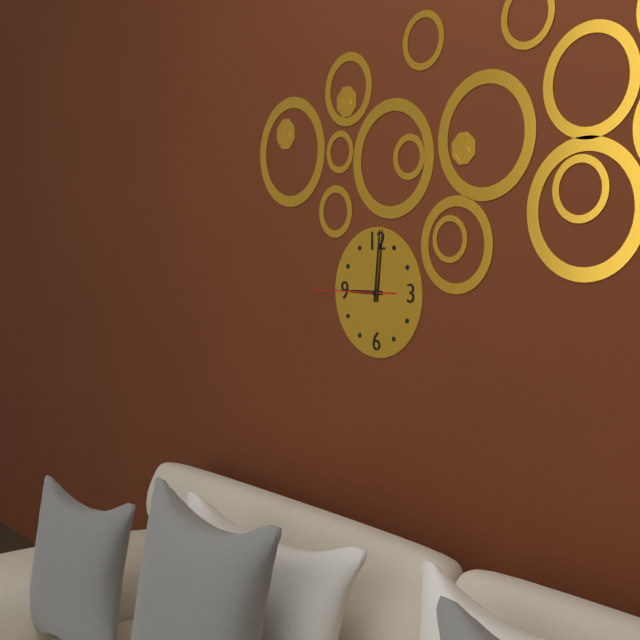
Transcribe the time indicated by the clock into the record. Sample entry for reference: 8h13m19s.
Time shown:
9h01m45s
